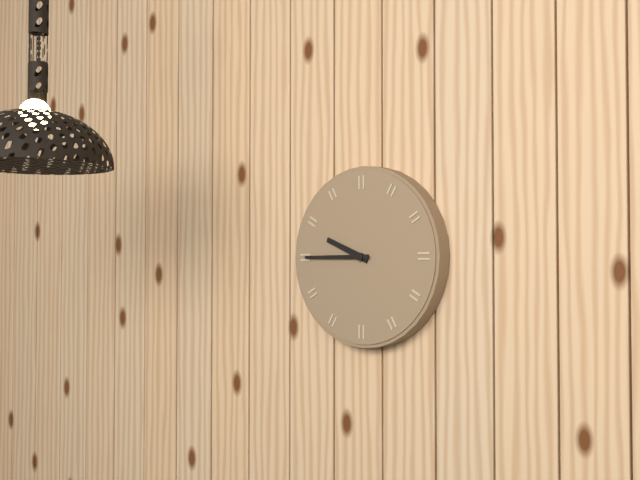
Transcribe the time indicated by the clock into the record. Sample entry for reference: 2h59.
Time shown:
9h45
